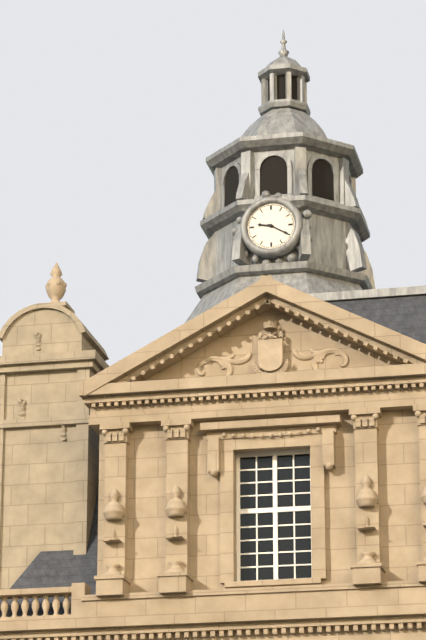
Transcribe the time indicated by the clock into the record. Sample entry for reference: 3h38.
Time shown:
9h20
